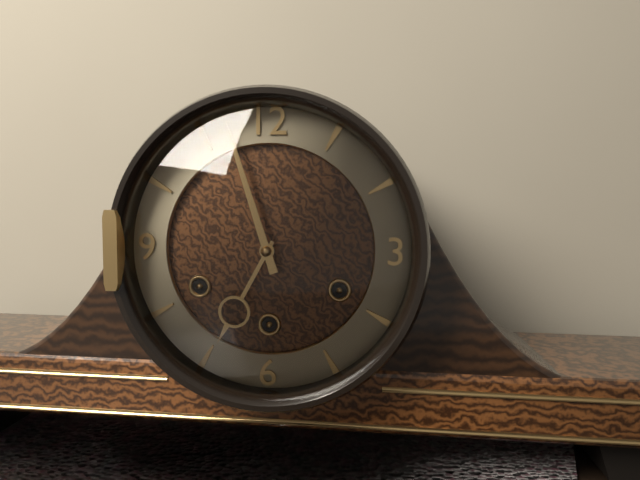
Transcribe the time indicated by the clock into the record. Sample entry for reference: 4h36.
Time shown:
6h57
